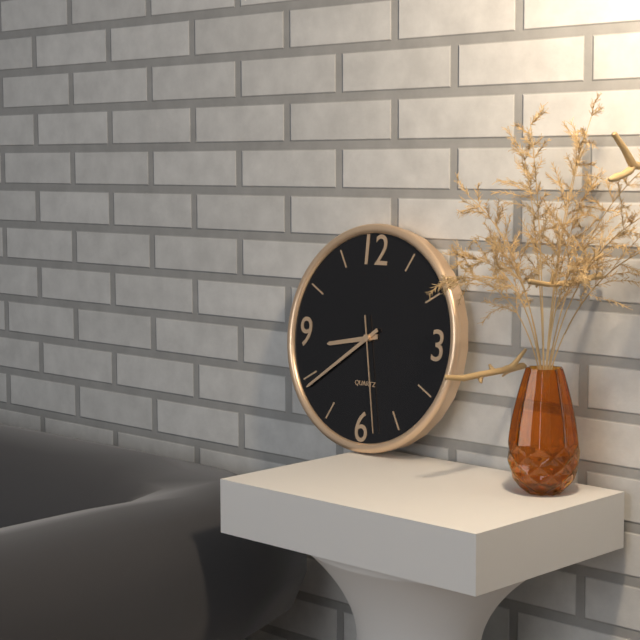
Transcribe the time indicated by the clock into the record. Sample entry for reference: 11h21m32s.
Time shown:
8h39m28s
